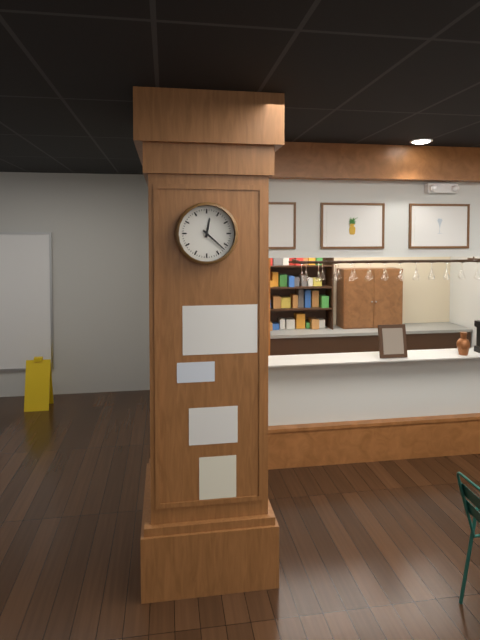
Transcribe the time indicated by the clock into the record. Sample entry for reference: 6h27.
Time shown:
12h22
